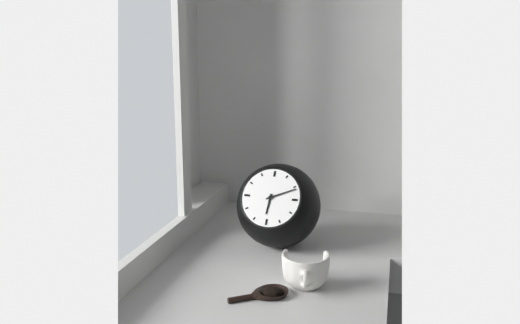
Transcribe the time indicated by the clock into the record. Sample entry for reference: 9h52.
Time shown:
6h11
